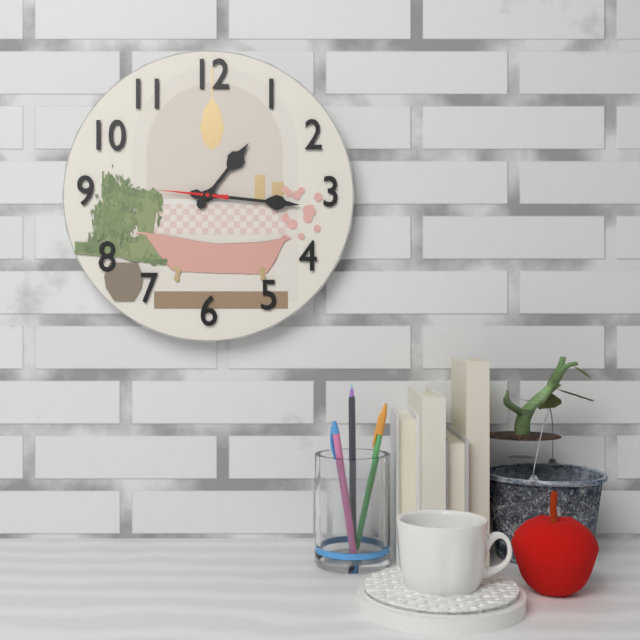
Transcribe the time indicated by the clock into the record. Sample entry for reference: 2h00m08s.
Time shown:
1h16m46s
